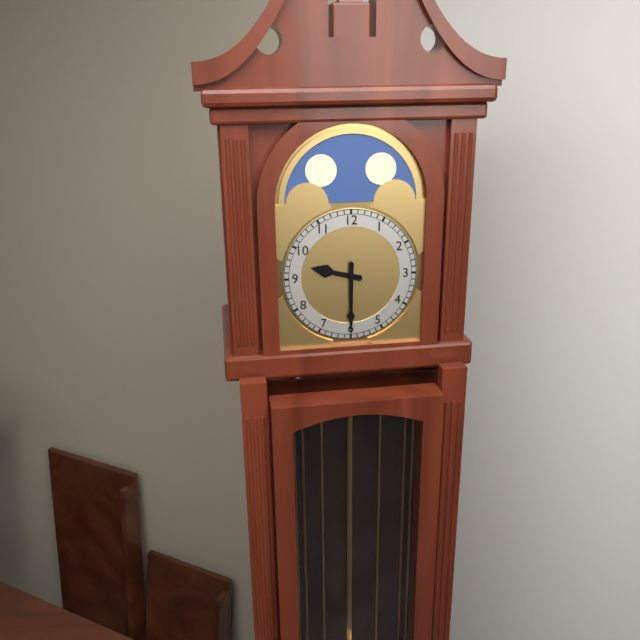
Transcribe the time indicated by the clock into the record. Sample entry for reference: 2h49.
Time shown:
9h30
